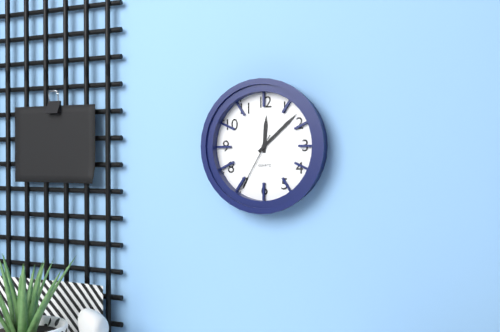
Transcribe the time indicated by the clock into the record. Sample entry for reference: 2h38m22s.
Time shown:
12h08m35s
